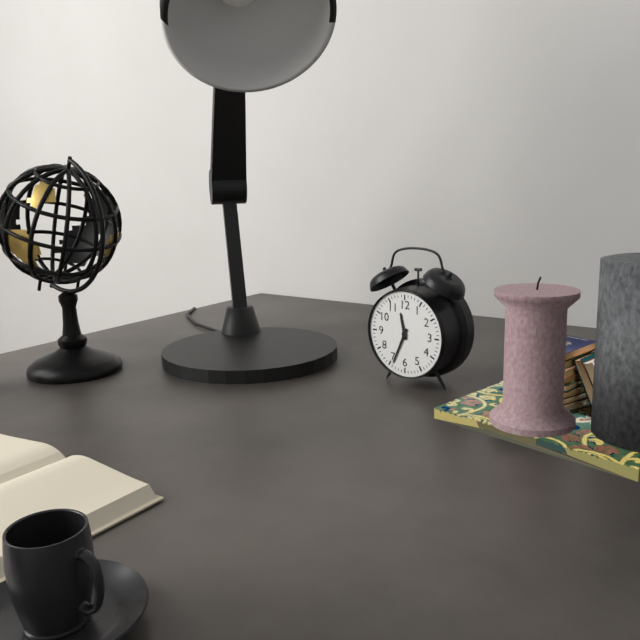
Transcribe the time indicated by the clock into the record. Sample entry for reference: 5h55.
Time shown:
11h34
